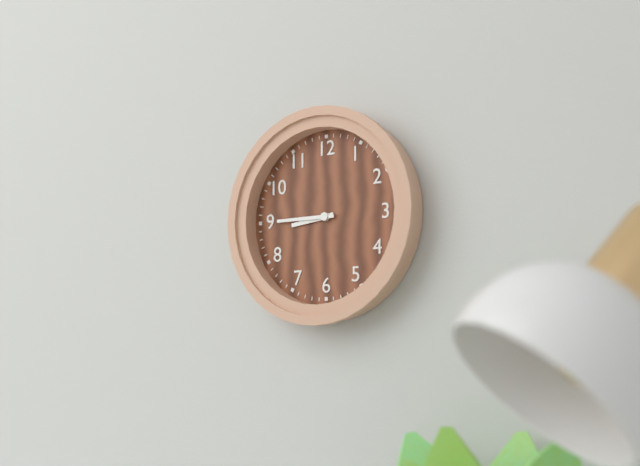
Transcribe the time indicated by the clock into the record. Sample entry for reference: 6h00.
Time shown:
8h45
